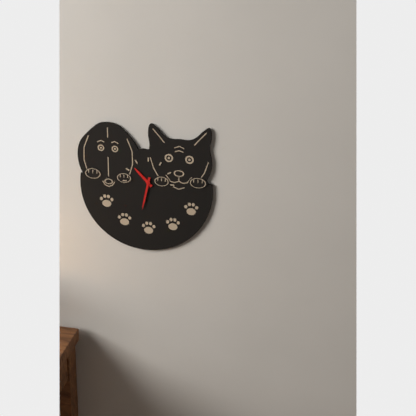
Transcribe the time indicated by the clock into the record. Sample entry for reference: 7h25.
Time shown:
10h32
